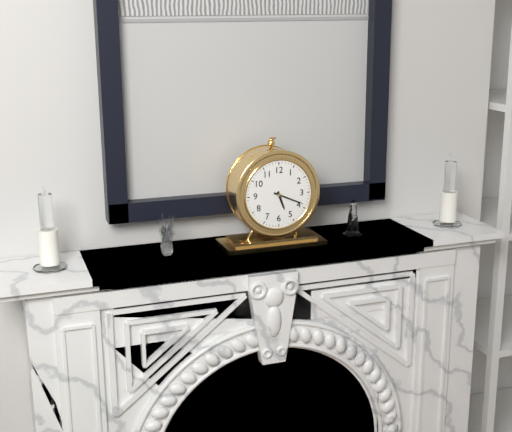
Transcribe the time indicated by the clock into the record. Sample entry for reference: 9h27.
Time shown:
5h19
